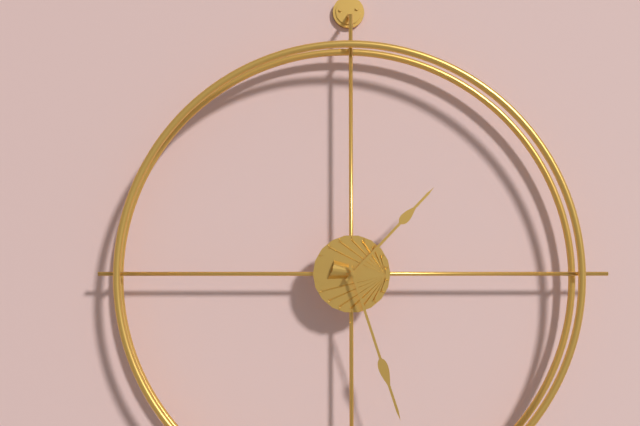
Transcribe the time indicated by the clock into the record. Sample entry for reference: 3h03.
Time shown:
1h27
